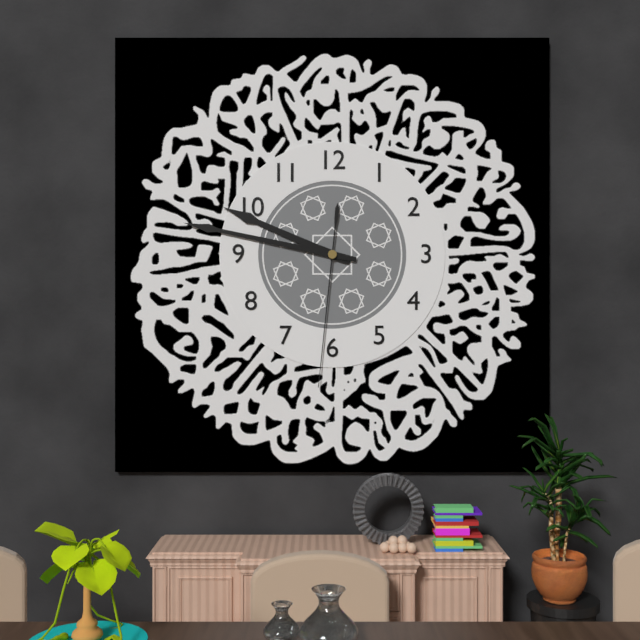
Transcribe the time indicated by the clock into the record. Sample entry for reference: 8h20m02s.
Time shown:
9h47m31s
